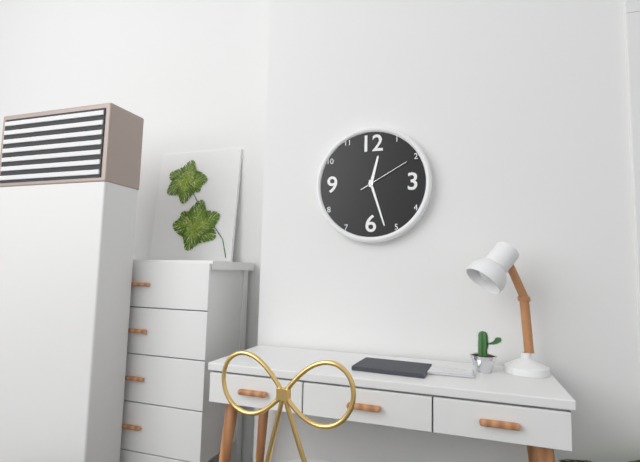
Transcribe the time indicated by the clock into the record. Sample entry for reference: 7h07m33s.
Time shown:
12h27m10s
